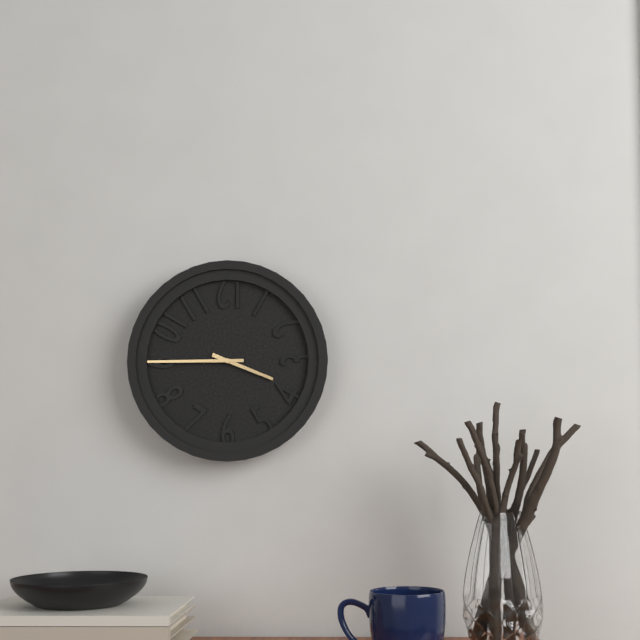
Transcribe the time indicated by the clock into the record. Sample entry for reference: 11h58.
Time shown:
3h45
